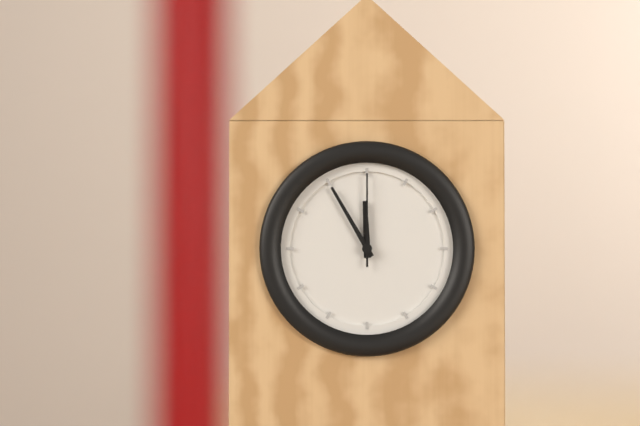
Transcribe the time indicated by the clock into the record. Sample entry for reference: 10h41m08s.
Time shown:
11h55m00s
